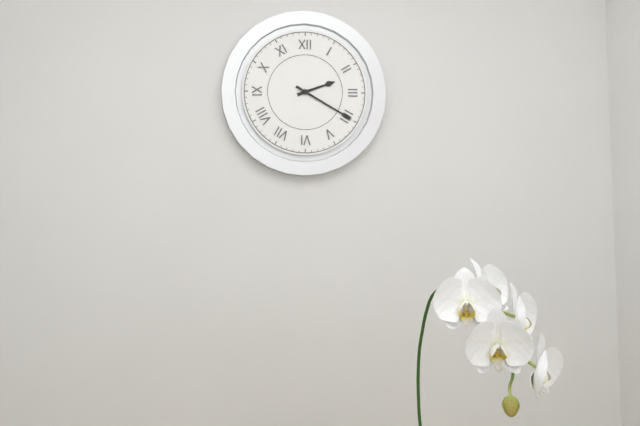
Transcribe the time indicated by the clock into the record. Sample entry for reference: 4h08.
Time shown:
2h20
